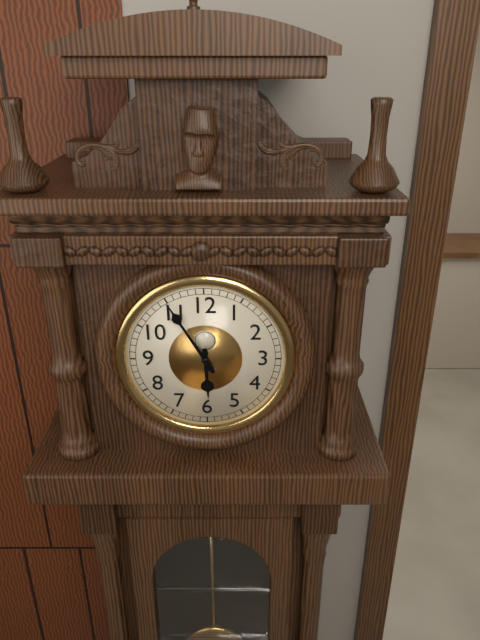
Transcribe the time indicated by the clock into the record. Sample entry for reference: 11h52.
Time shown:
5h55
